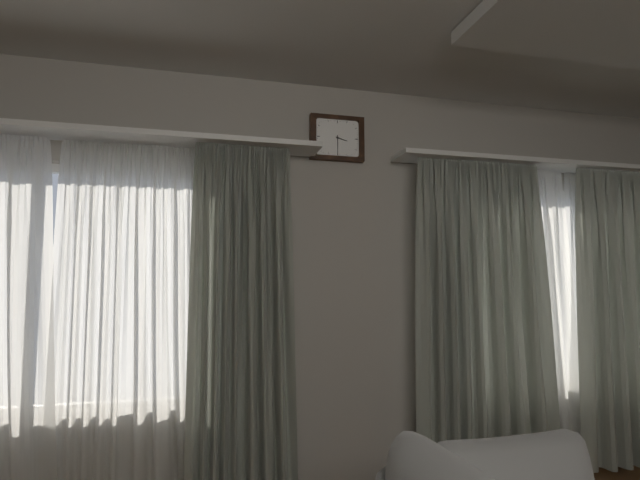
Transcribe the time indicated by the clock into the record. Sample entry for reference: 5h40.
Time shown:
3h30
